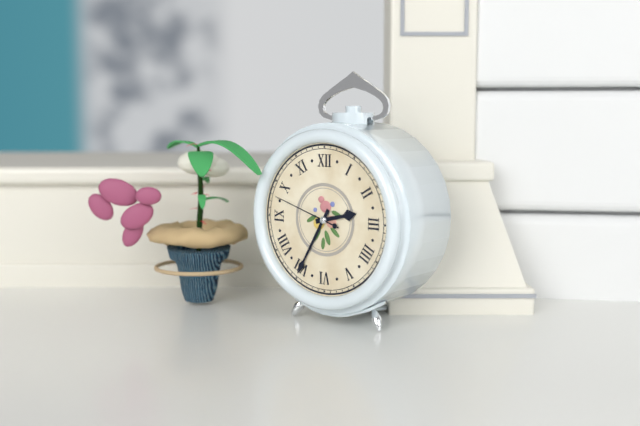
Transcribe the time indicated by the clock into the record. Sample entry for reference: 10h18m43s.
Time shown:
2h35m48s
